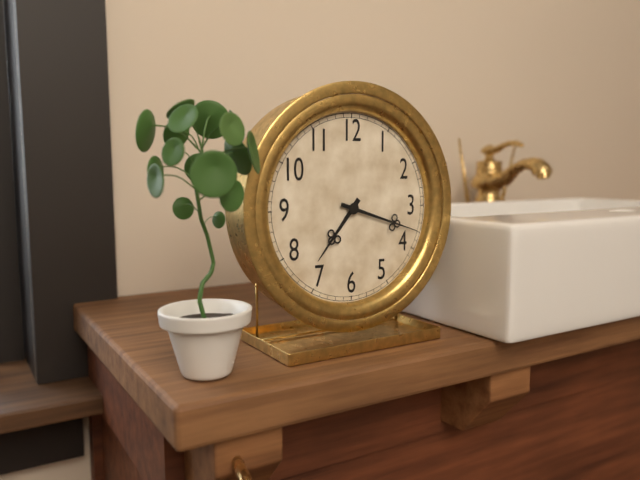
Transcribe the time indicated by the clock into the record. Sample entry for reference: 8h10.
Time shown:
7h18
